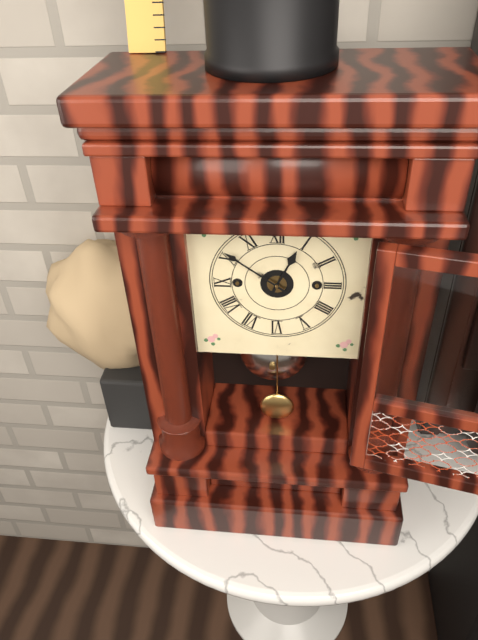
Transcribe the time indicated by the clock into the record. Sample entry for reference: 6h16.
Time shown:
12h51
